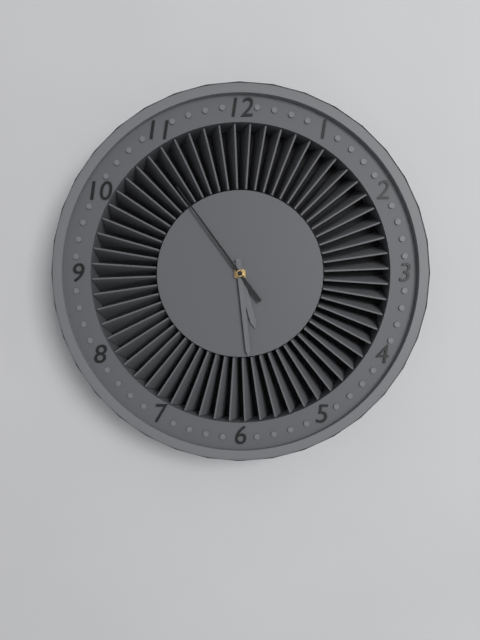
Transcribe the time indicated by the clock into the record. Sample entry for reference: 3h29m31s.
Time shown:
5h29m54s
